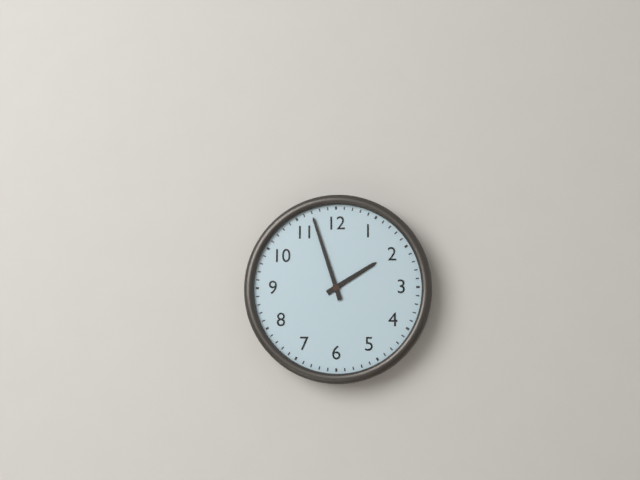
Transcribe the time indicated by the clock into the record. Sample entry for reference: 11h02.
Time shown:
1h57
